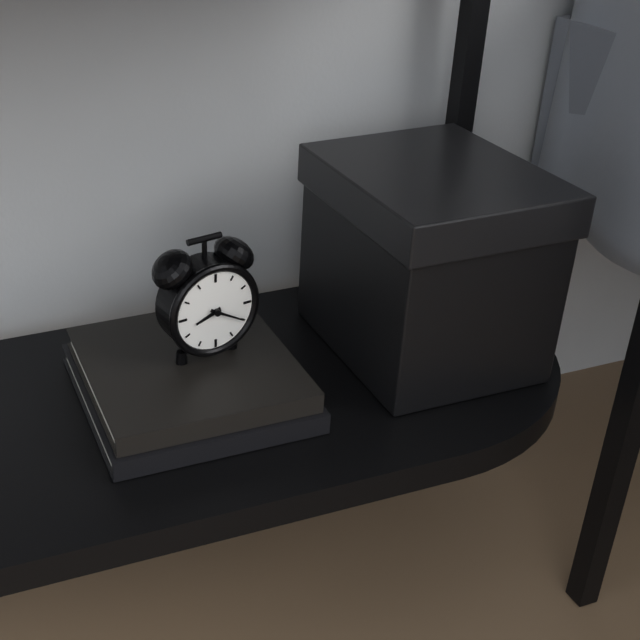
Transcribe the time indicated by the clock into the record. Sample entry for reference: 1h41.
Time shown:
8h20
